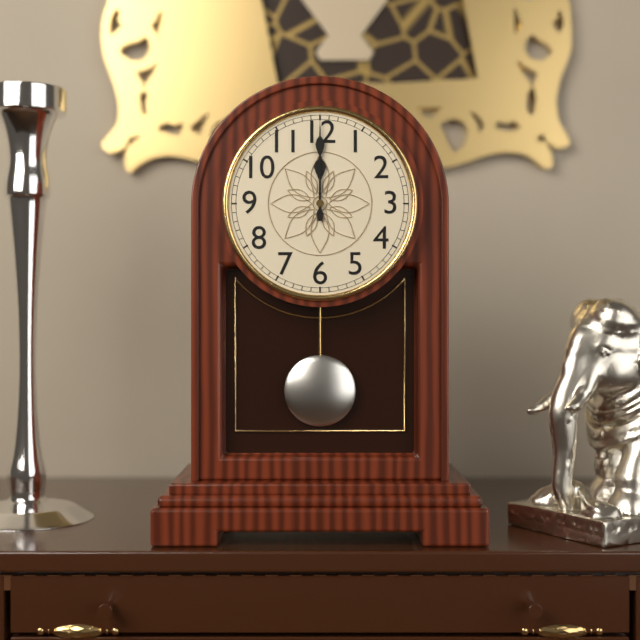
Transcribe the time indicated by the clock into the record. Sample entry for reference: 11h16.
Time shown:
12h00
